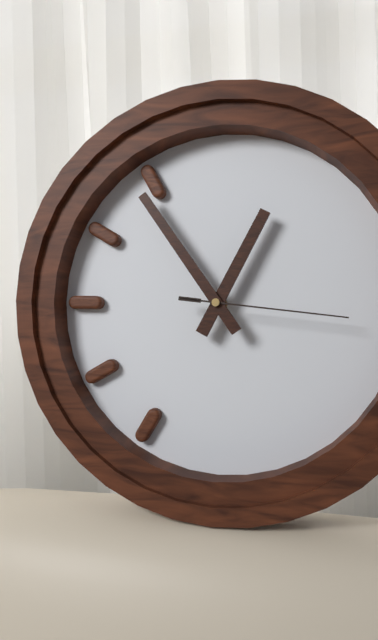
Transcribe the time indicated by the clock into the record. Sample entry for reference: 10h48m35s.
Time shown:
12h54m16s
